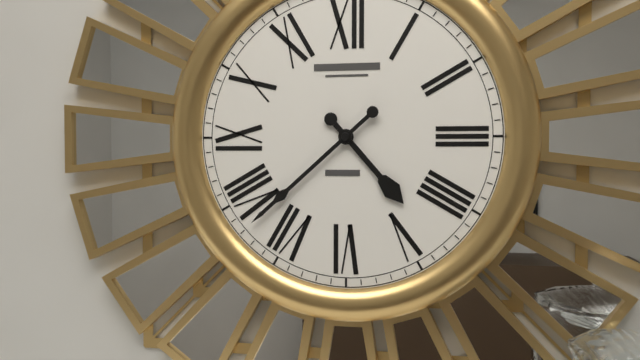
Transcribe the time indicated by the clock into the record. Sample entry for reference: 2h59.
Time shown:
4h38
